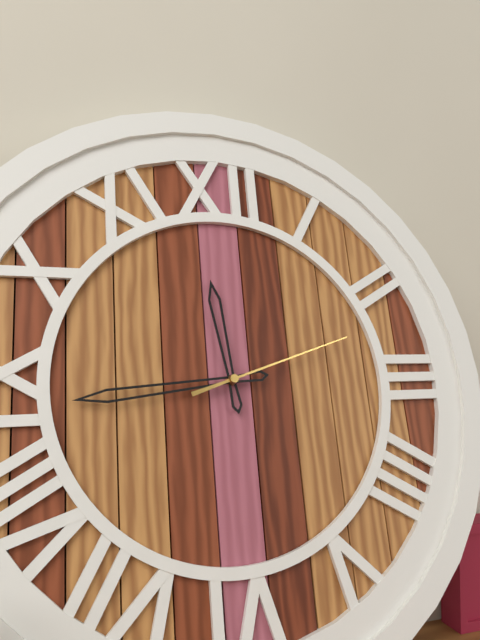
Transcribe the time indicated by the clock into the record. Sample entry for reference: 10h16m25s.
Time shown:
11h44m12s
